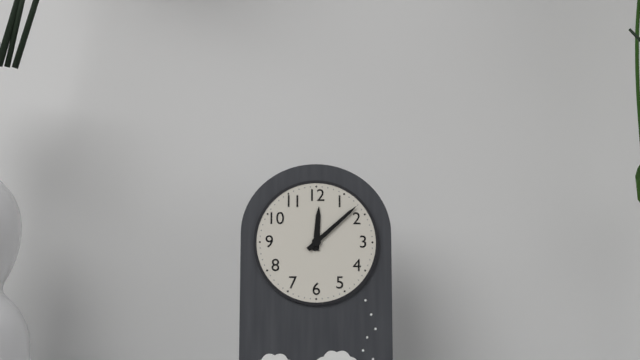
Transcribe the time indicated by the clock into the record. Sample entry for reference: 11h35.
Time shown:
12h08
